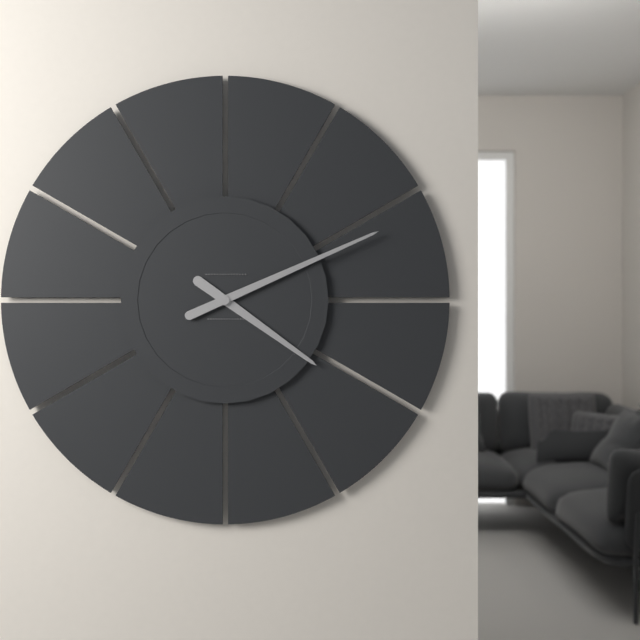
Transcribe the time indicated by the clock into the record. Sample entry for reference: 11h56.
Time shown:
4h11
